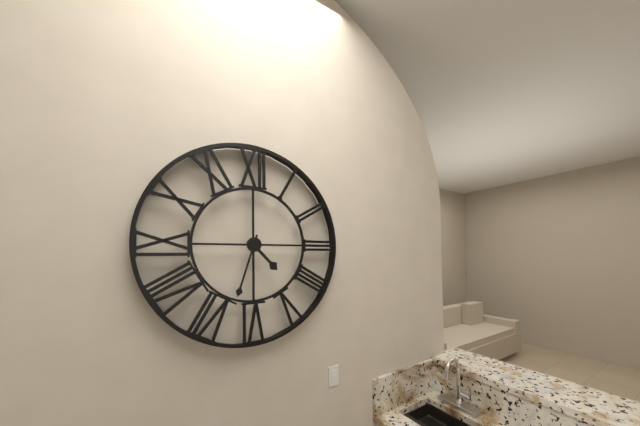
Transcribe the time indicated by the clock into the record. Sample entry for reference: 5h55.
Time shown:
4h33
